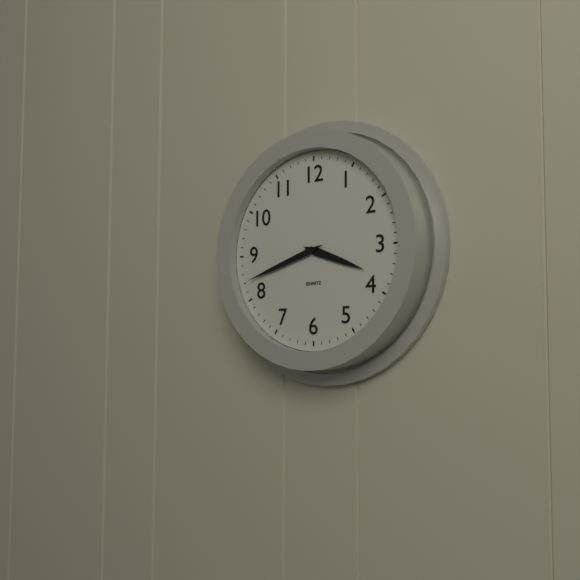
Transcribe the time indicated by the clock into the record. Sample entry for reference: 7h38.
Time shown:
3h42
